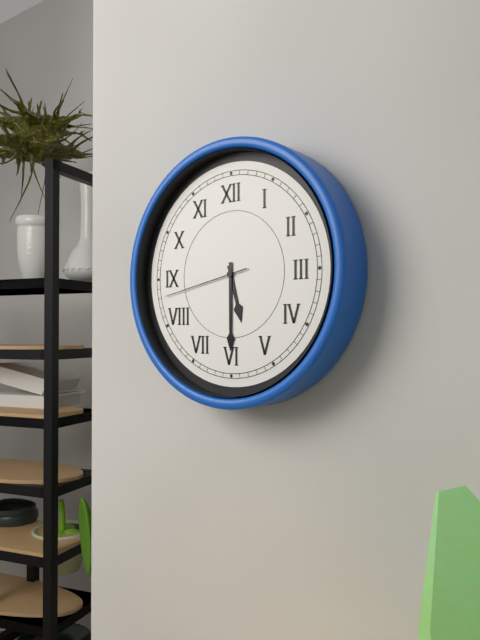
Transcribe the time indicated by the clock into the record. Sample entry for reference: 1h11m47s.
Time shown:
5h30m43s
